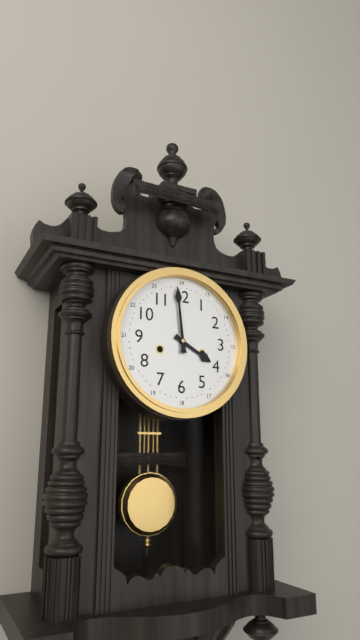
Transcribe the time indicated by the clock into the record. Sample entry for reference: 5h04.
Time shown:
3h59
